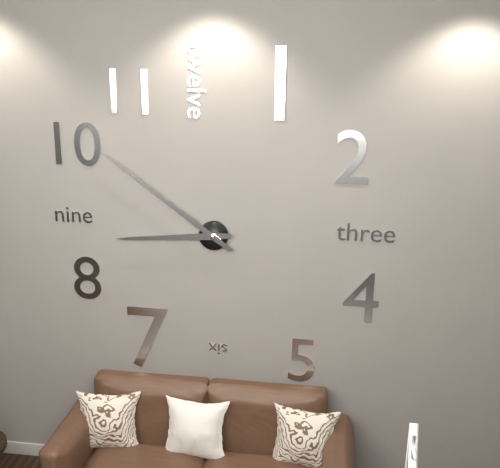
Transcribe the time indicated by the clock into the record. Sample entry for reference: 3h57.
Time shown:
8h51
